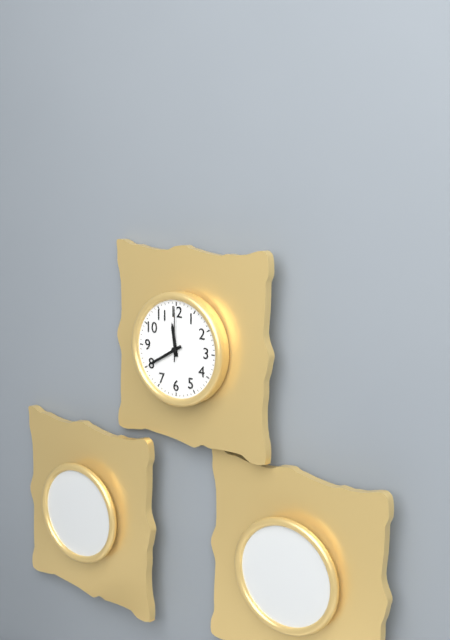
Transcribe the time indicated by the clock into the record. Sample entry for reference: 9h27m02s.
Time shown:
11h40m00s
